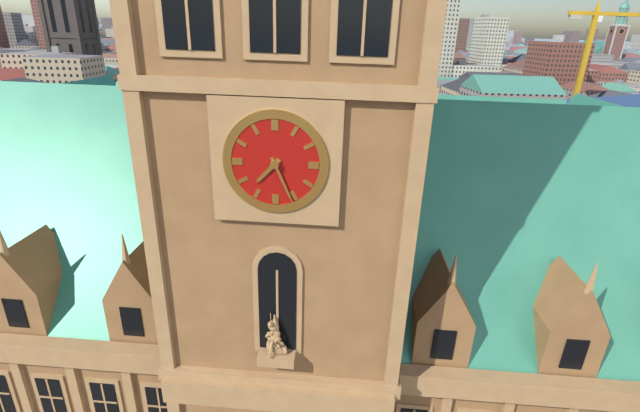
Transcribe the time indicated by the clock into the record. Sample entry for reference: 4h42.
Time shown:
7h26
